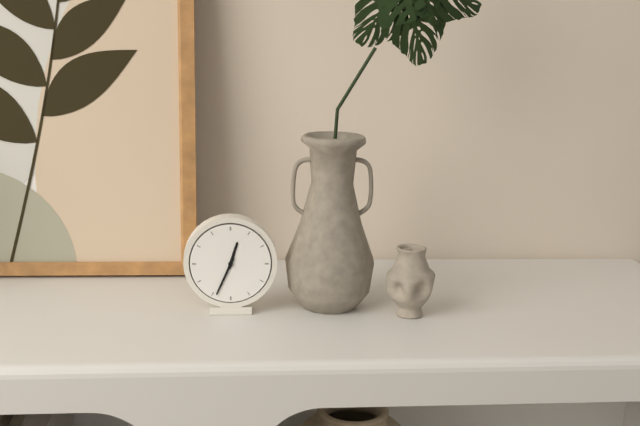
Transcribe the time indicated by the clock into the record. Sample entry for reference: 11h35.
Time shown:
12h34
